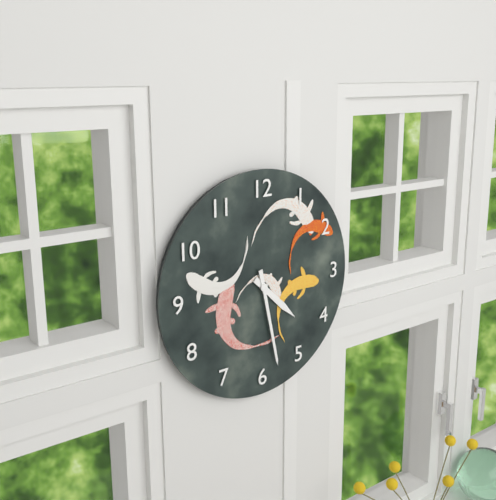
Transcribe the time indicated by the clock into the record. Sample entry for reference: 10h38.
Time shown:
4h28
